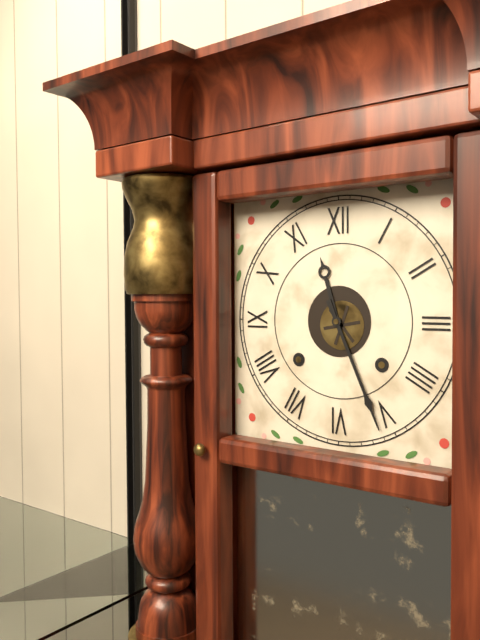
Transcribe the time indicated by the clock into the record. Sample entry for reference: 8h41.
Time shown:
11h26
